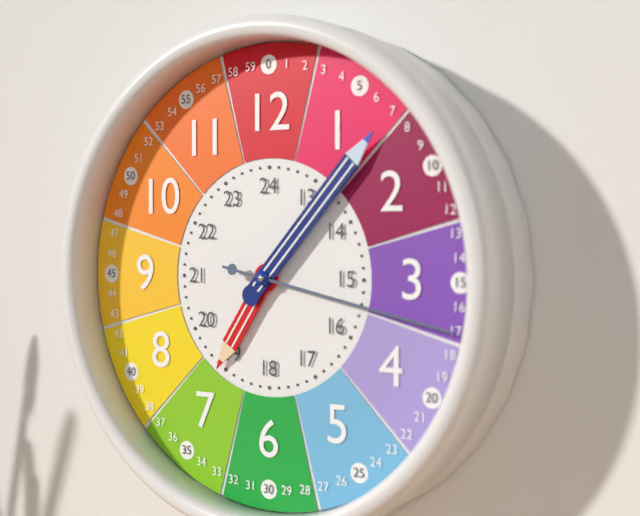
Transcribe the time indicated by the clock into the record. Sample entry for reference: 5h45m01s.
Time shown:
7h07m17s
